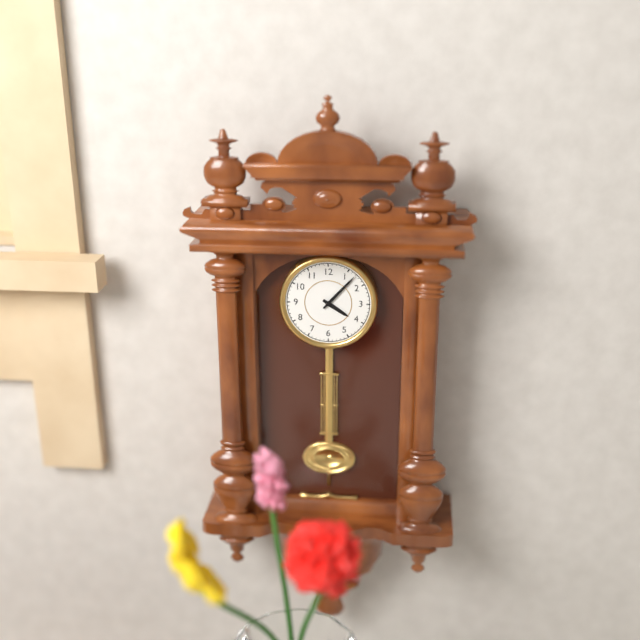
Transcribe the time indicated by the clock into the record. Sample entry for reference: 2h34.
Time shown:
4h07
